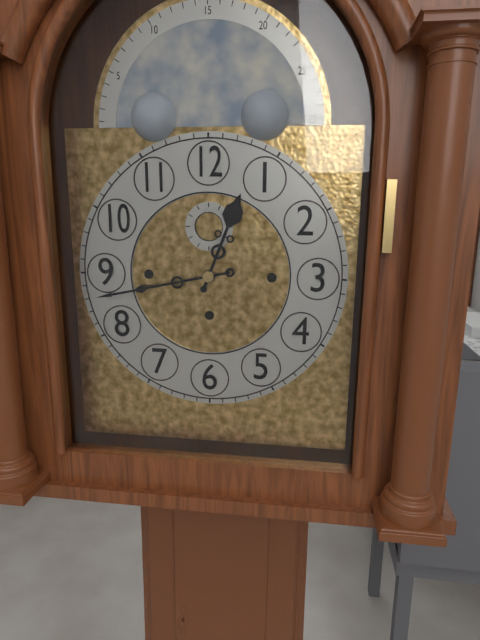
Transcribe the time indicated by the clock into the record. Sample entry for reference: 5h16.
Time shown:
12h43
